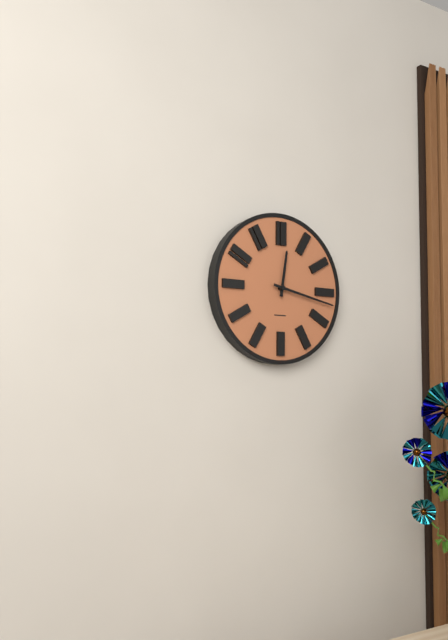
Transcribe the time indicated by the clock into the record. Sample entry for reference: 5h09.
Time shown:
12h17
